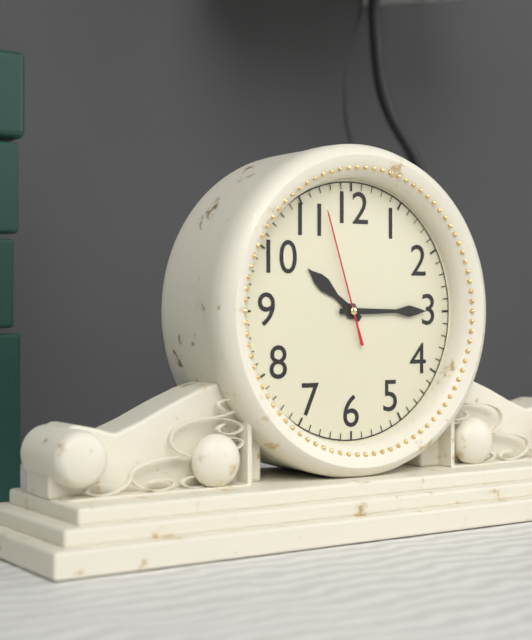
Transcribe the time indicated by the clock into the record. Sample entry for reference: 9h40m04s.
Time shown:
10h15m57s
